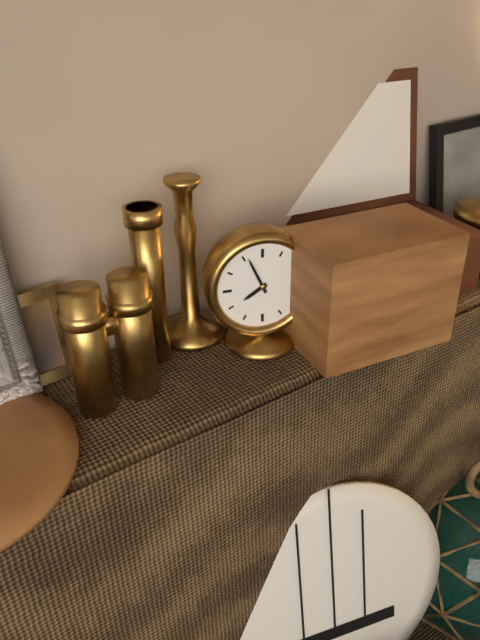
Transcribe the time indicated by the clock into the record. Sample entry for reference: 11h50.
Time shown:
7h56
